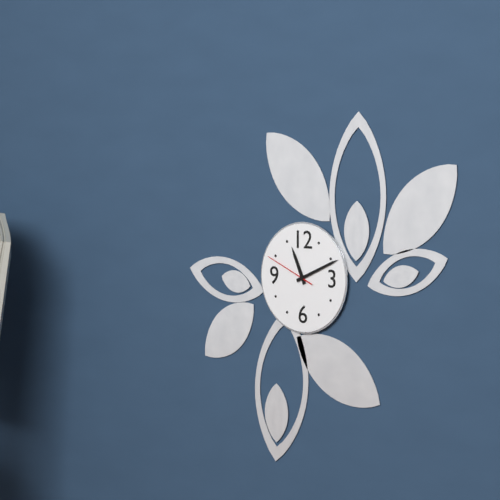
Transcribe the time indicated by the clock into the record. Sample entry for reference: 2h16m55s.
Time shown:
11h11m49s
